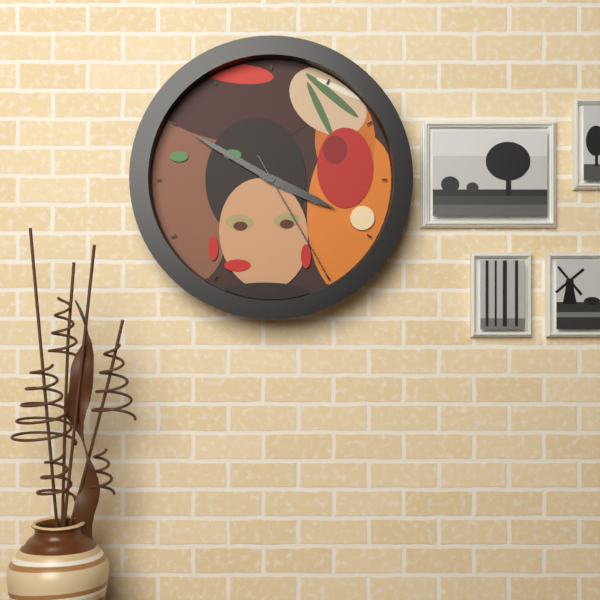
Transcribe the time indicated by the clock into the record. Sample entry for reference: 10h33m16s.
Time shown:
3h50m25s
